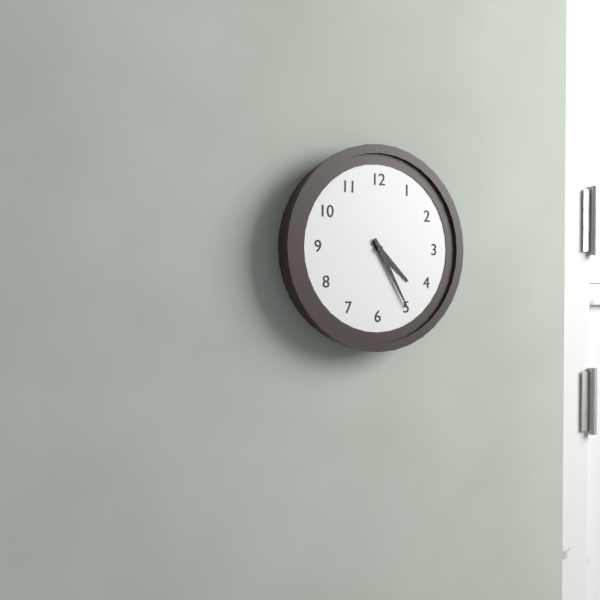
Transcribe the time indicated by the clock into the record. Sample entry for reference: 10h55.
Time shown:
4h25
